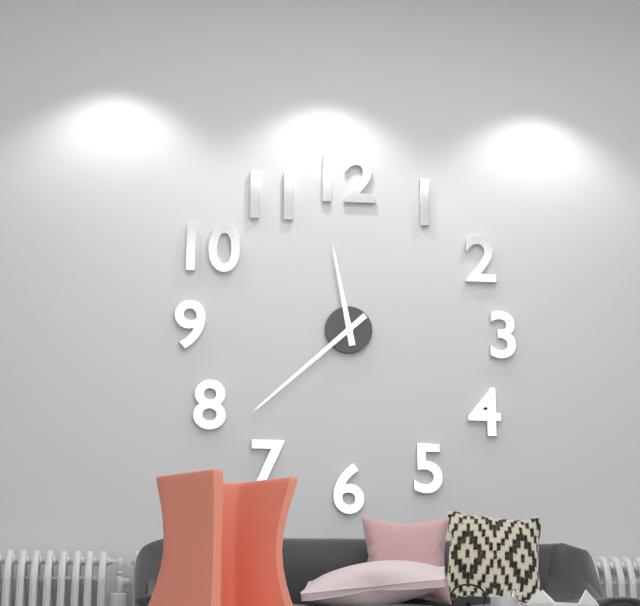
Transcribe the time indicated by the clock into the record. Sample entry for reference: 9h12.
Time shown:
11h38
